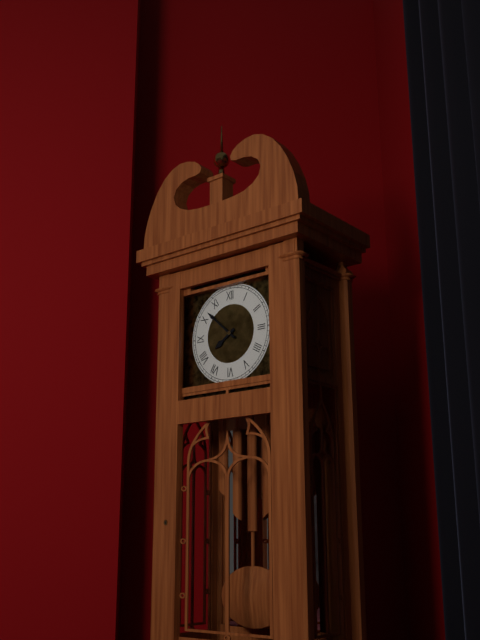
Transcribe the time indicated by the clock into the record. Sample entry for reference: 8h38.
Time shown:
7h52
